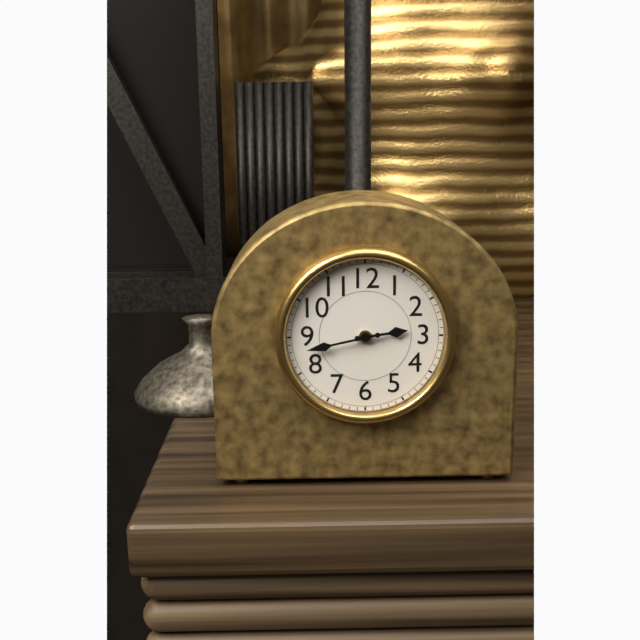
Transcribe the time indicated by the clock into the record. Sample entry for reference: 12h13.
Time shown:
2h43
